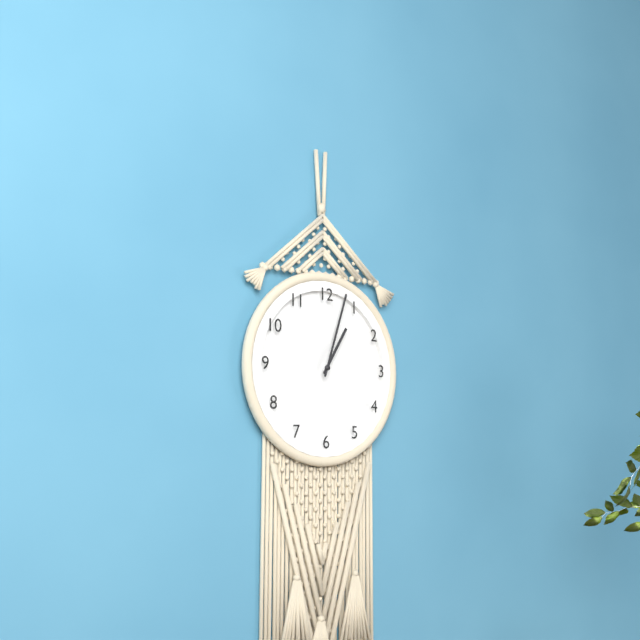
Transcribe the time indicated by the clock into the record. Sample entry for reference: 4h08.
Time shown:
1h03
